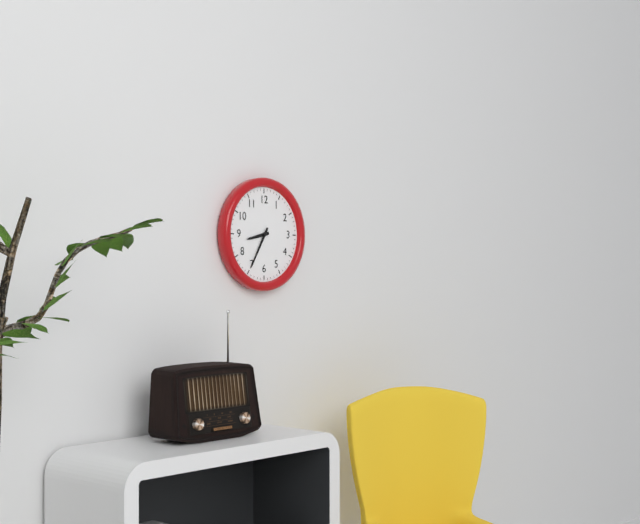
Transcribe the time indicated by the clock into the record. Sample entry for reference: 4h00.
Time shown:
8h35
